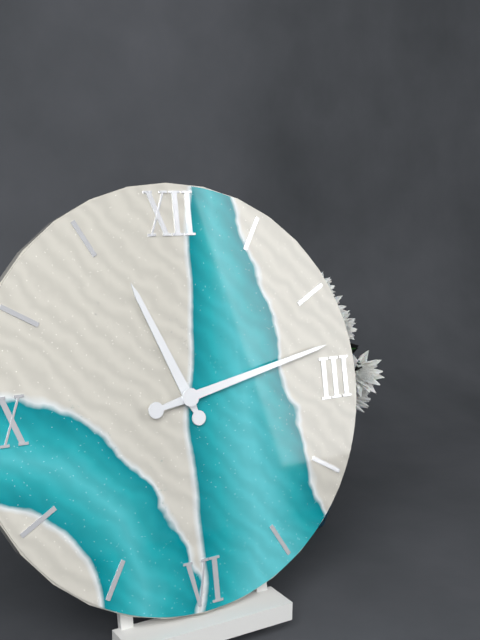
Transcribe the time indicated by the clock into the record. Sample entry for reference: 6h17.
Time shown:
11h13
